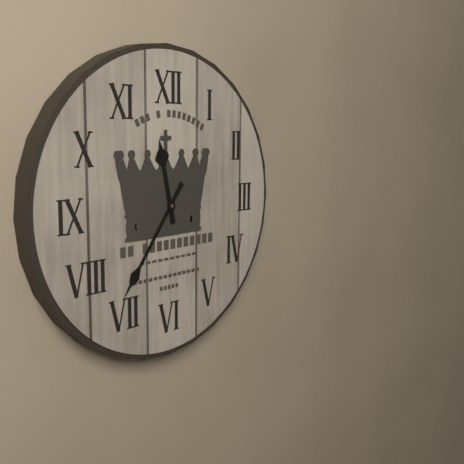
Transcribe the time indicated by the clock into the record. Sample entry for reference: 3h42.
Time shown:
11h36
